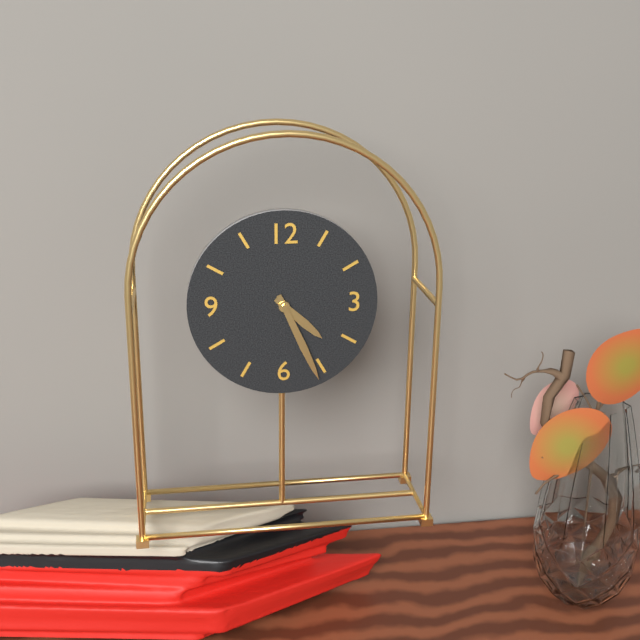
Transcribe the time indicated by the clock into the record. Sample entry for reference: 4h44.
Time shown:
4h26
